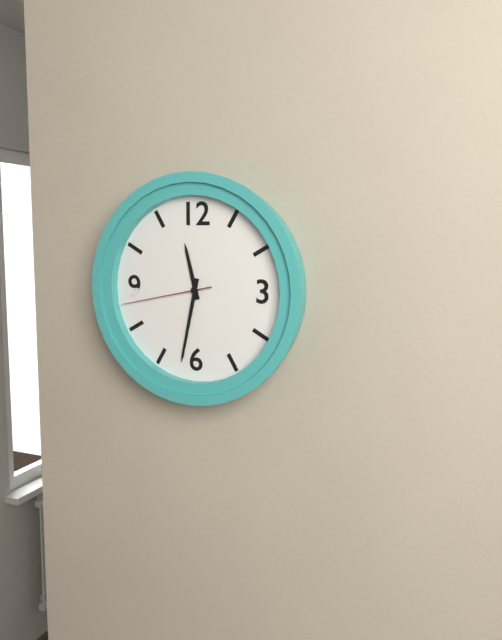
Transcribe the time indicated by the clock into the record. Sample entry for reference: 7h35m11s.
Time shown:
11h32m43s
